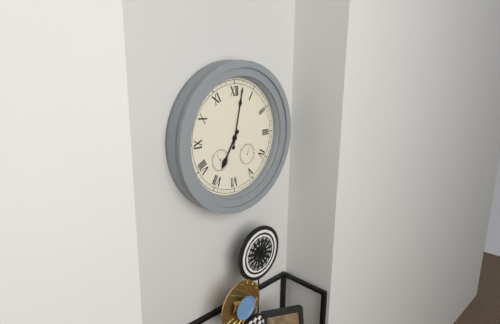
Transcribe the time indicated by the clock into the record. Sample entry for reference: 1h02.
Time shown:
7h02
